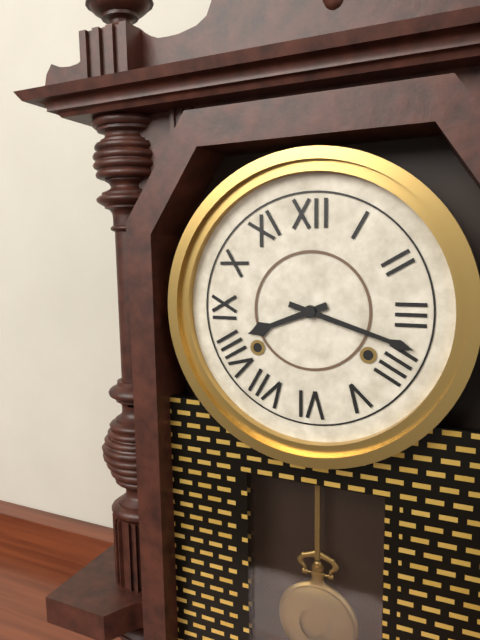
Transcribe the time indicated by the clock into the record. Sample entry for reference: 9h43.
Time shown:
8h18
